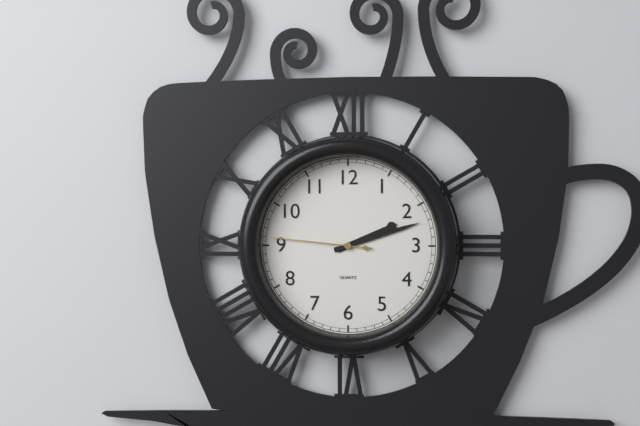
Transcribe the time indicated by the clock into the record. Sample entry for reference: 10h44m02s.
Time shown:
2h12m46s
